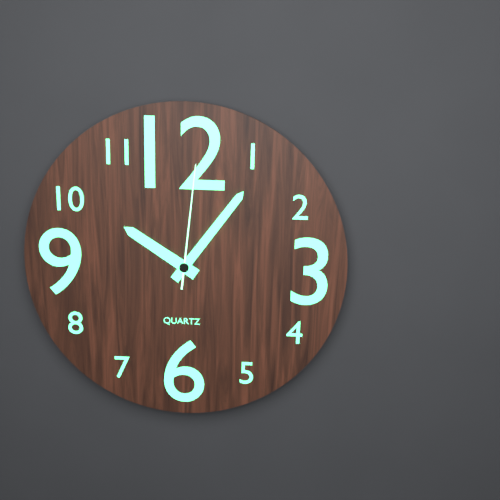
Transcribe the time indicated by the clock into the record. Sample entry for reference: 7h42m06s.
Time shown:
10h06m01s
